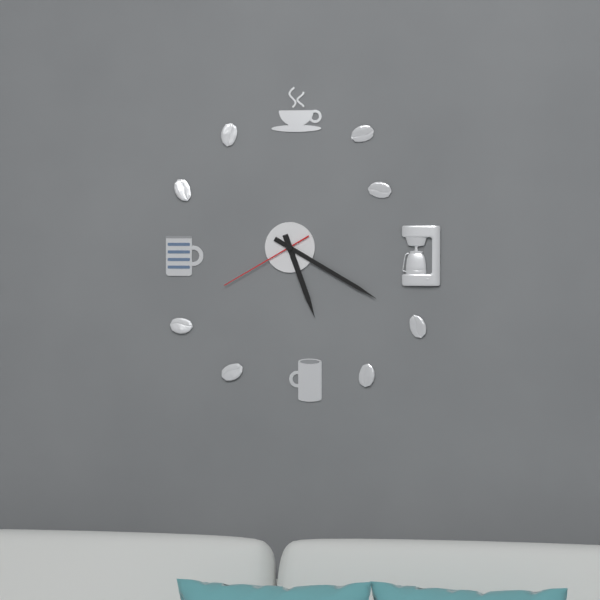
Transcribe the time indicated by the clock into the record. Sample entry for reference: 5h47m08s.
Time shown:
5h20m40s
